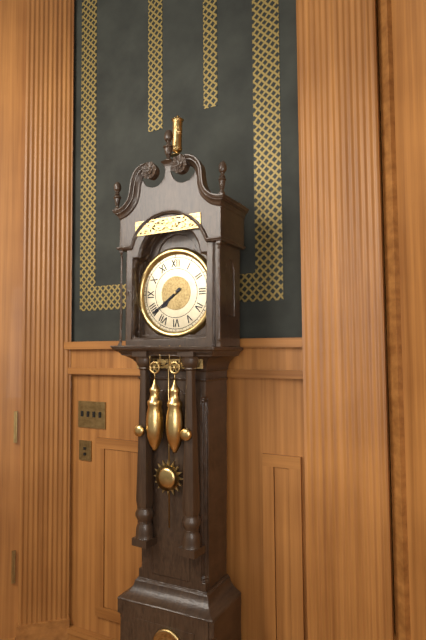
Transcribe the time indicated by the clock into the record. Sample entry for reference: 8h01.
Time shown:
7h39
